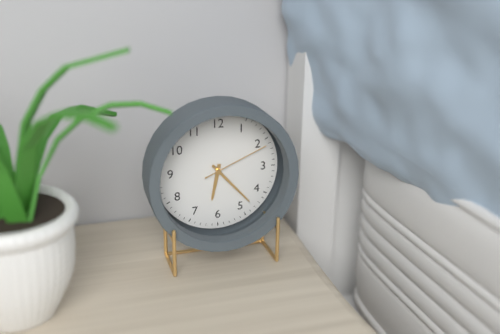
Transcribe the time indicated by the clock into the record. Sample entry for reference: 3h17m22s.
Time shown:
6h23m11s
